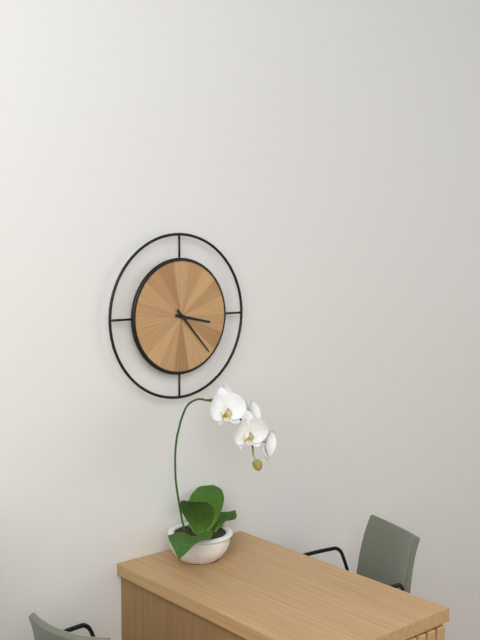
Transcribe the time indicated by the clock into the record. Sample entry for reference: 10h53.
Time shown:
3h23
